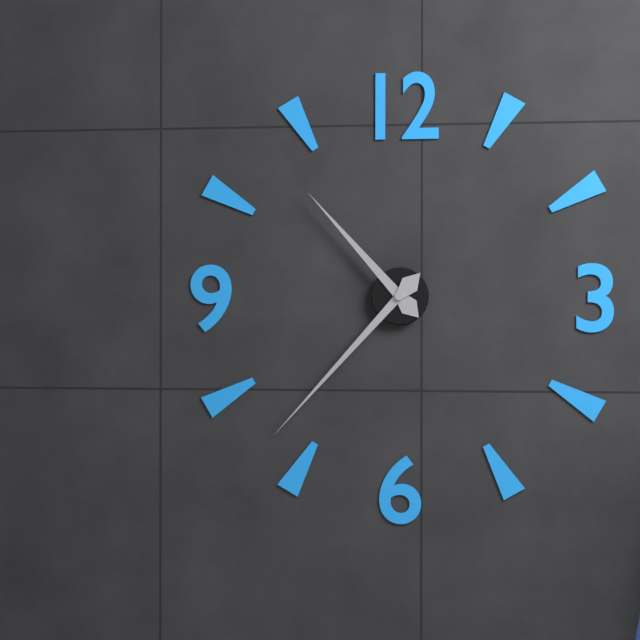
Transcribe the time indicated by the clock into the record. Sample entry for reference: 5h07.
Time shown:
10h37
